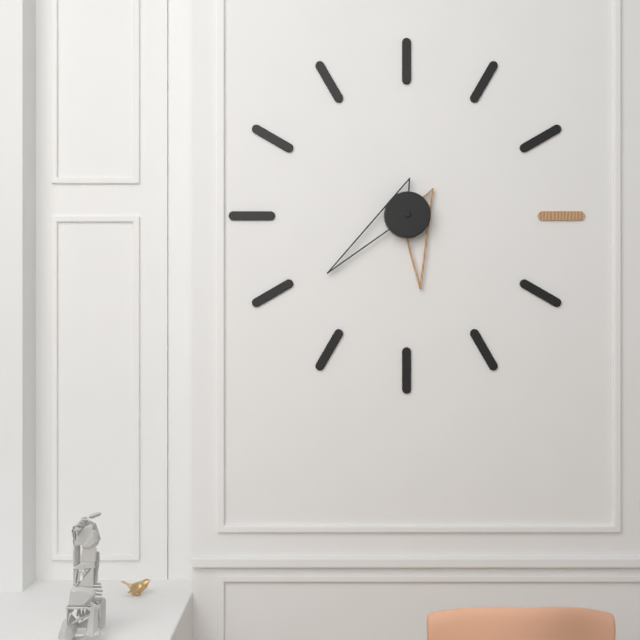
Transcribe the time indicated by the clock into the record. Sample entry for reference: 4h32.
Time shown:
5h39
